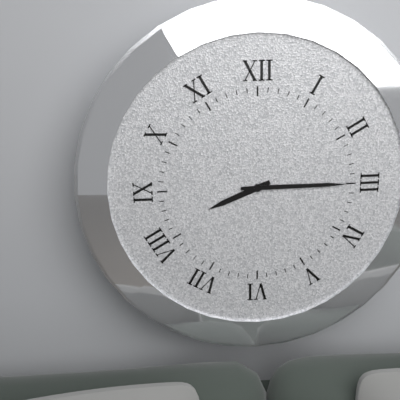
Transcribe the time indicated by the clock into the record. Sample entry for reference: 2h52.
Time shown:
8h15
